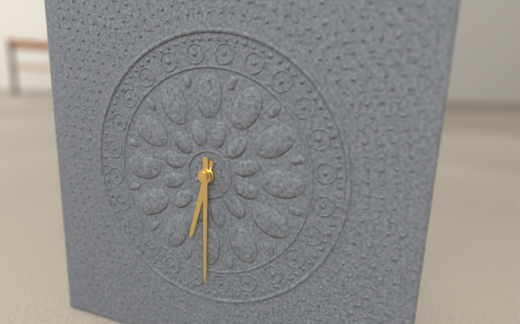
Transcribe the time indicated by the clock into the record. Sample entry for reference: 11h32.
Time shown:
6h30
